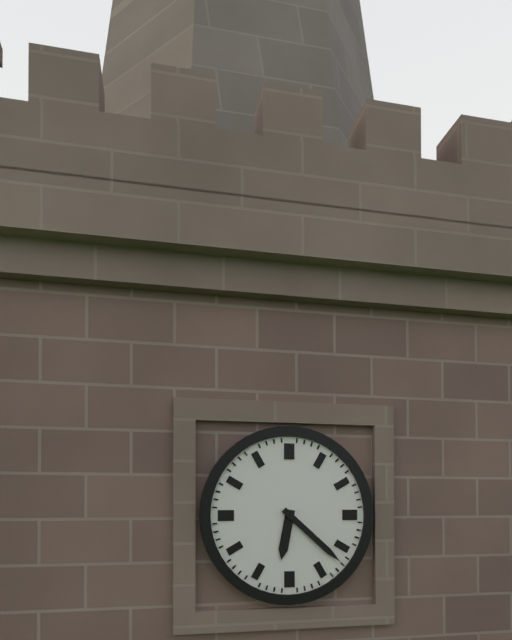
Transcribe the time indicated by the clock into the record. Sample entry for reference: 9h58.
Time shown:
6h22
